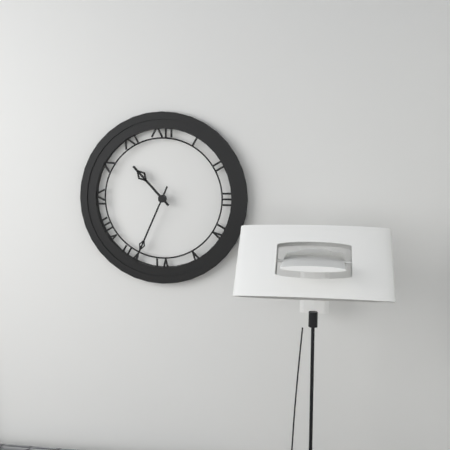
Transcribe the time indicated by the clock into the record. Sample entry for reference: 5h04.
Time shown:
10h34
